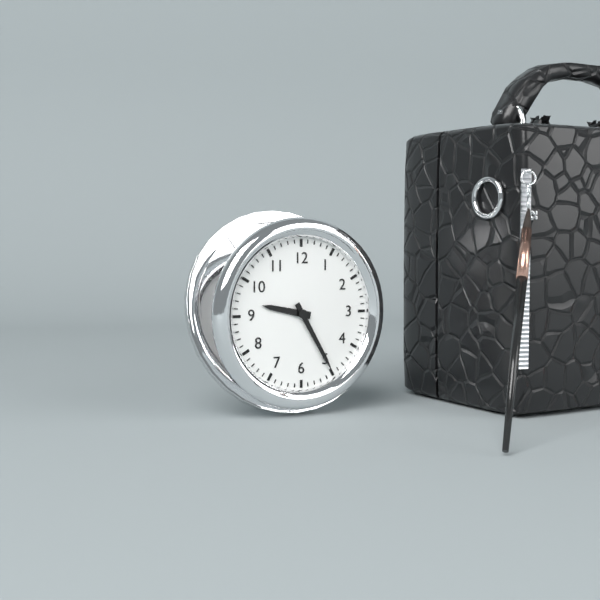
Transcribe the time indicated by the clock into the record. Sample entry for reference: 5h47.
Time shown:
9h25
